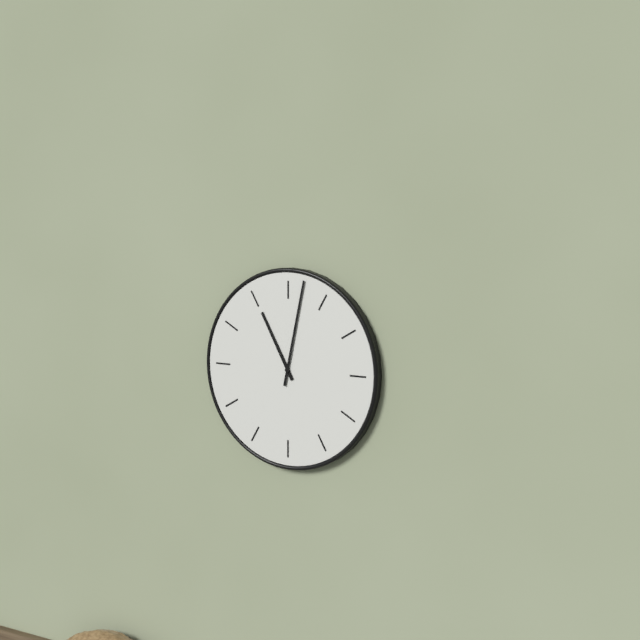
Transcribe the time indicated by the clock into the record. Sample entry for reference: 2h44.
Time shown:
11h02
